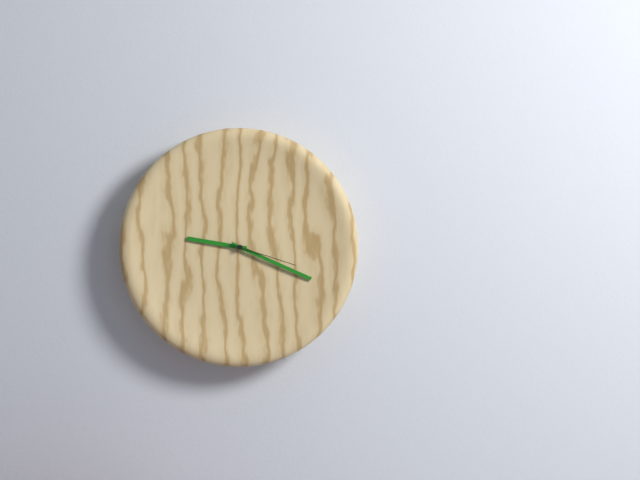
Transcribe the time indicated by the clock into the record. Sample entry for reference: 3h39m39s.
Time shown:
9h19m18s
